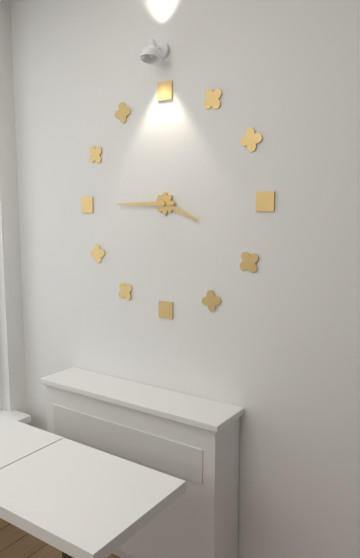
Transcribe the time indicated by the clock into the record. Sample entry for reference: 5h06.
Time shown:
3h45
